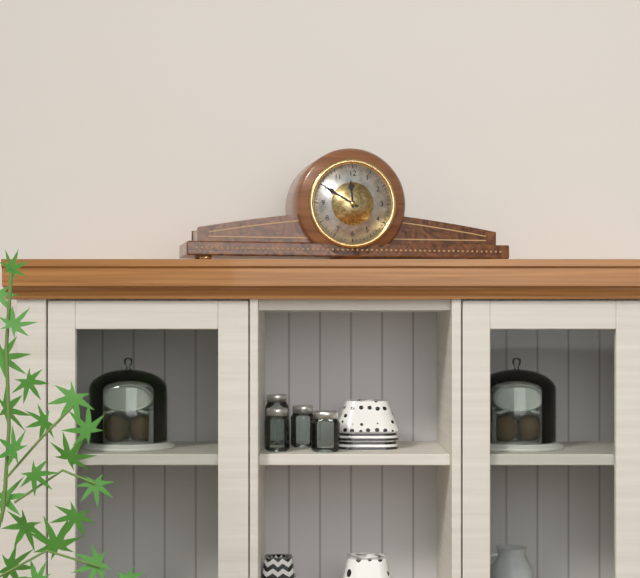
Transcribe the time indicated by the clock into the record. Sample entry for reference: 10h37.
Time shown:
11h50
